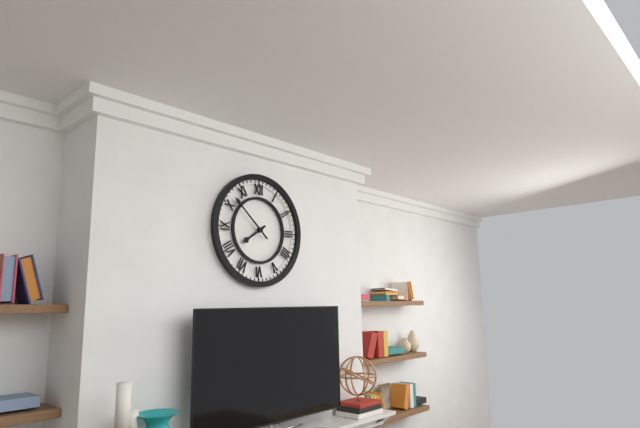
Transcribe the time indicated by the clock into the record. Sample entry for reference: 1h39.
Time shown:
7h52
